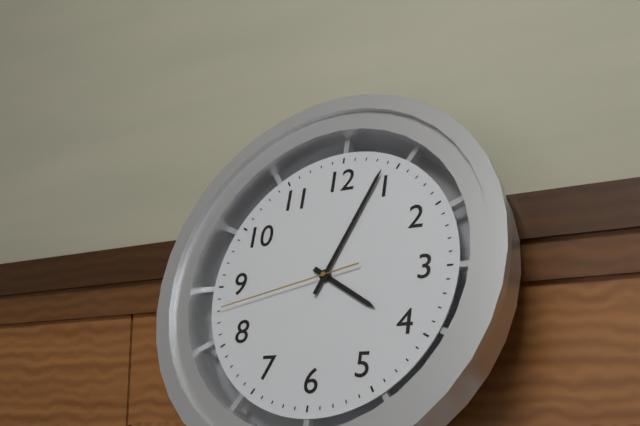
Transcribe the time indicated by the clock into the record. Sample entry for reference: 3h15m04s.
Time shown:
4h04m43s
